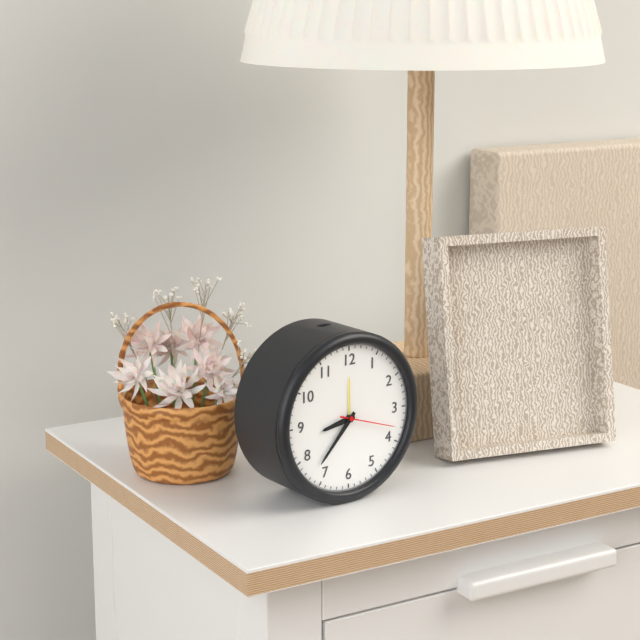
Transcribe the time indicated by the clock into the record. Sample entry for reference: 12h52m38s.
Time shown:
8h37m18s
